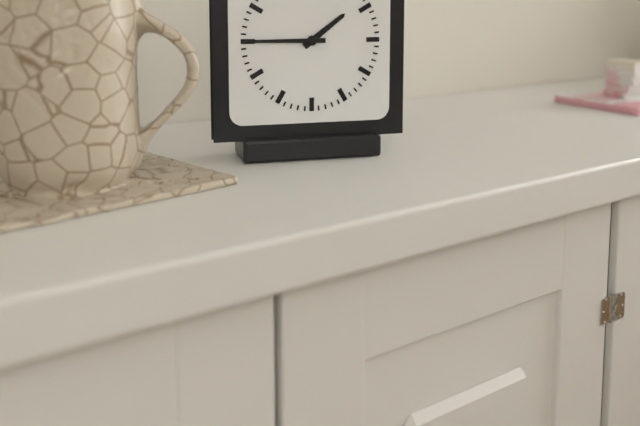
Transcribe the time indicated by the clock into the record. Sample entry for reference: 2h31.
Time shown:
1h45
